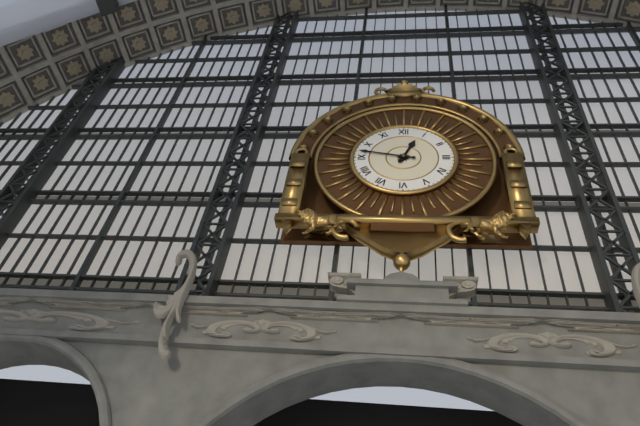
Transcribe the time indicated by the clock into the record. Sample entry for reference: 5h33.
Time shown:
12h47
